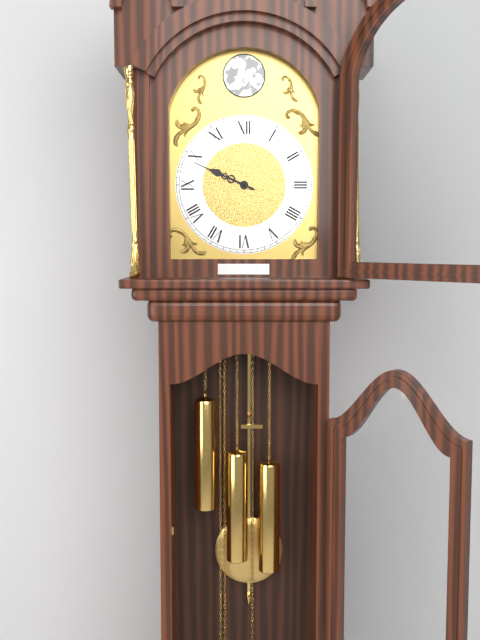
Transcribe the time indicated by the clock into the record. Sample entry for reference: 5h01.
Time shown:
9h49
